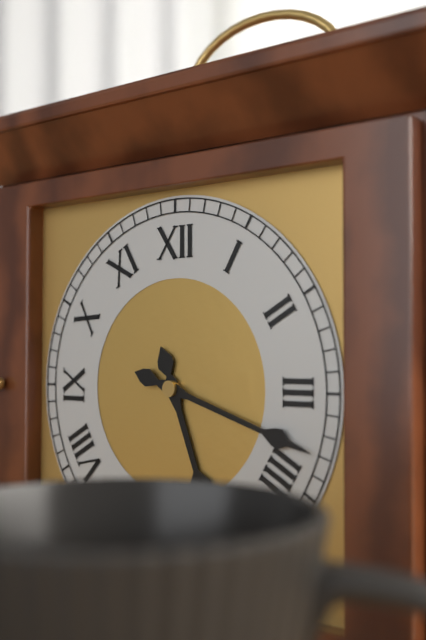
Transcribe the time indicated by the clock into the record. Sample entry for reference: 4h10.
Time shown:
5h18
